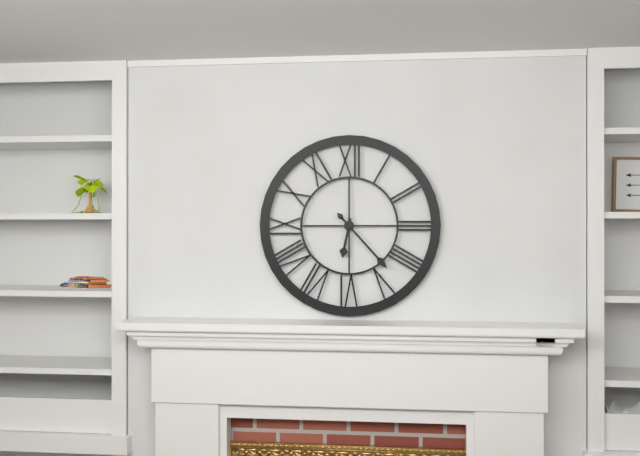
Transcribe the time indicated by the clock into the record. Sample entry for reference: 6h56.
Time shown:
6h23
